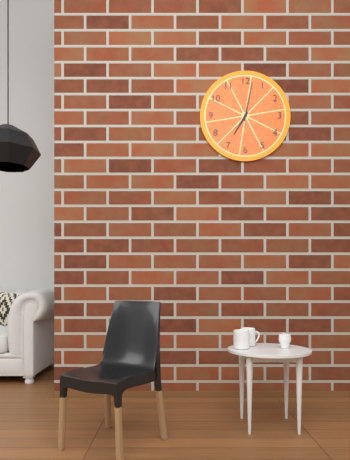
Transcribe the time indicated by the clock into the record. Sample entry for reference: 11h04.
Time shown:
7h02
